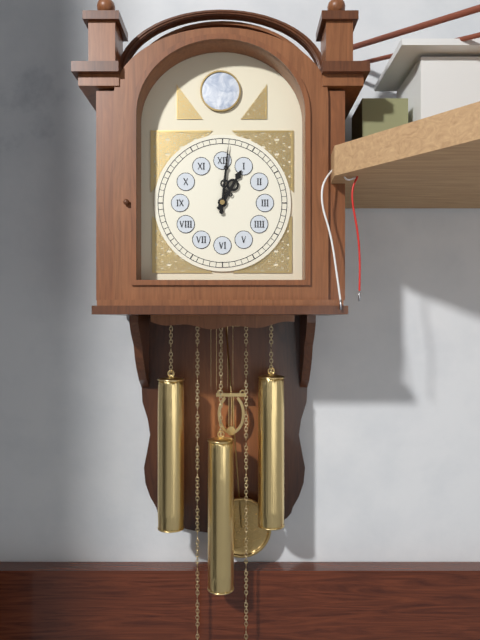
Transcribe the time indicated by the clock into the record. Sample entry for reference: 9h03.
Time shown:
1h01
